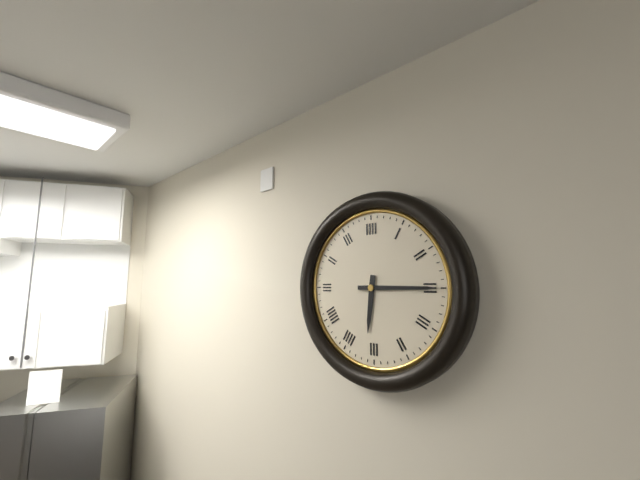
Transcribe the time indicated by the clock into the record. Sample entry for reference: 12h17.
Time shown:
6h15
